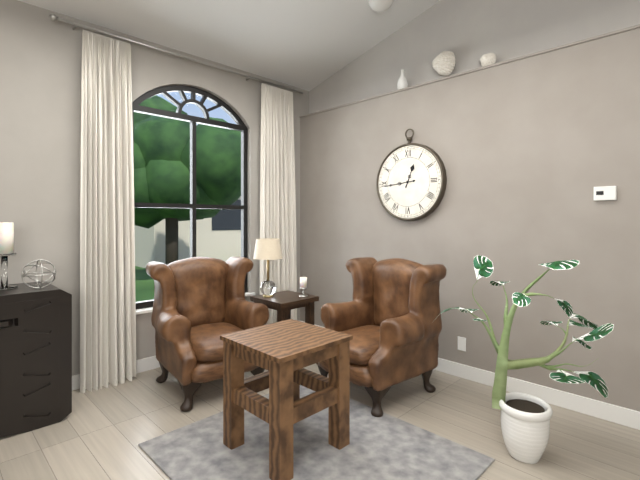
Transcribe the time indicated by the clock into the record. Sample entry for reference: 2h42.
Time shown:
12h44
